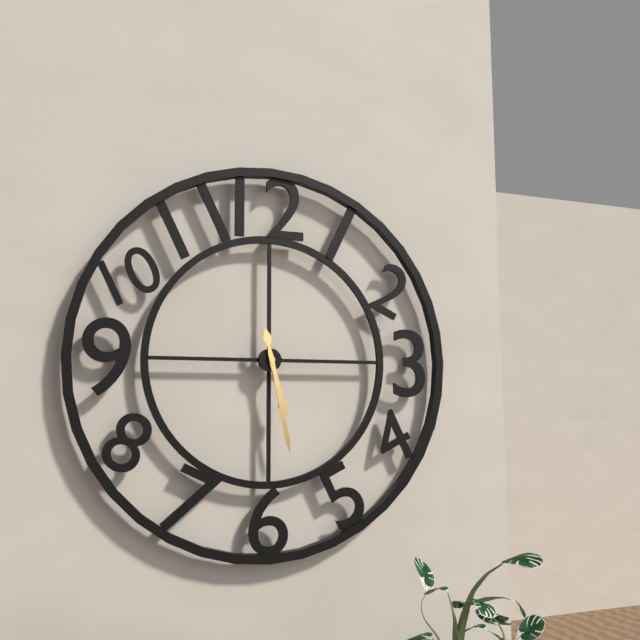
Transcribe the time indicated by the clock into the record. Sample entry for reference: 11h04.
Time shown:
5h28
